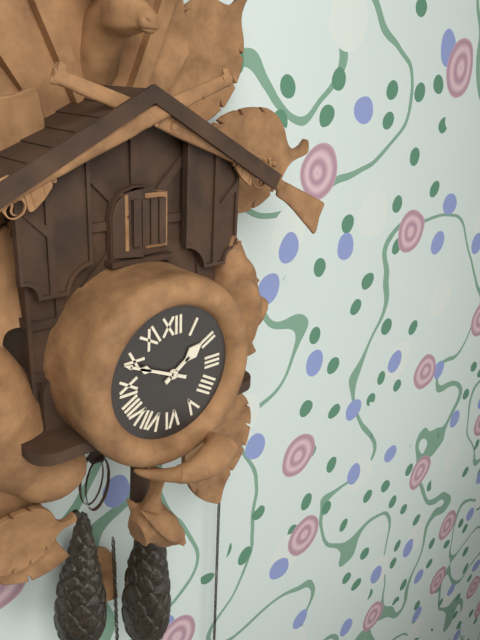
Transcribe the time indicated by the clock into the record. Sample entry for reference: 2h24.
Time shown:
1h49
